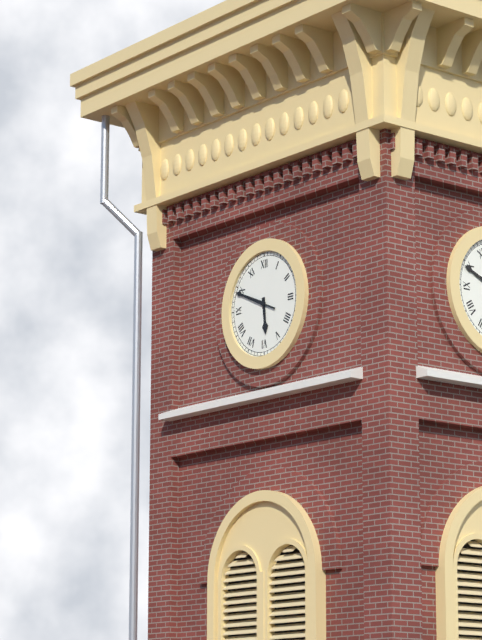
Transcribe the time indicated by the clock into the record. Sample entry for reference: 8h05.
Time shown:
5h49
